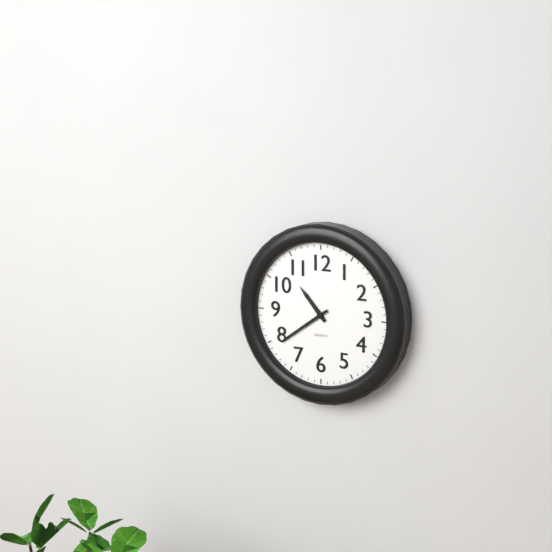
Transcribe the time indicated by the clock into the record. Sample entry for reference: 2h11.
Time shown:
10h39
